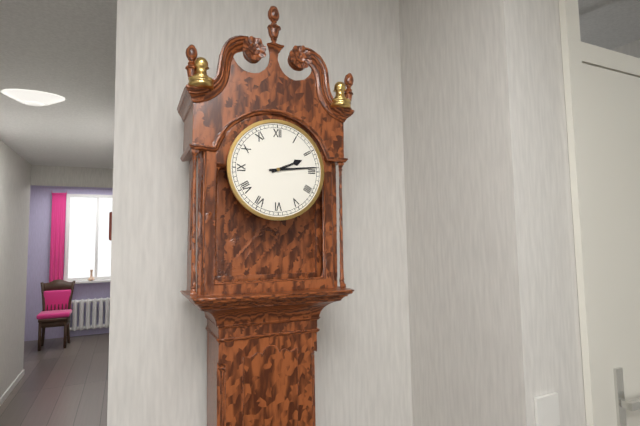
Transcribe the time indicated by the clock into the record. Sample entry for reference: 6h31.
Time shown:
2h14
